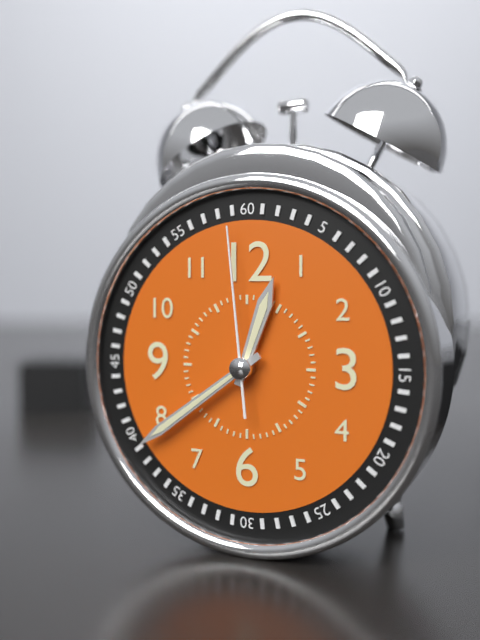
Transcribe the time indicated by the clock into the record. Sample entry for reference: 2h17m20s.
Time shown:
12h39m59s
